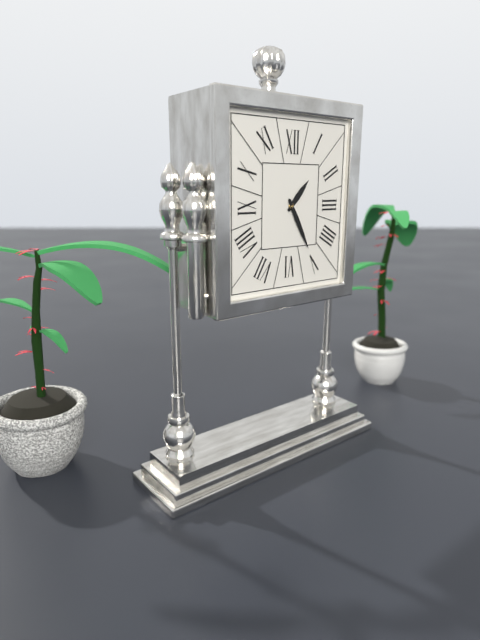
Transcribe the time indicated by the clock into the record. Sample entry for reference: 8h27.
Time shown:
1h25
